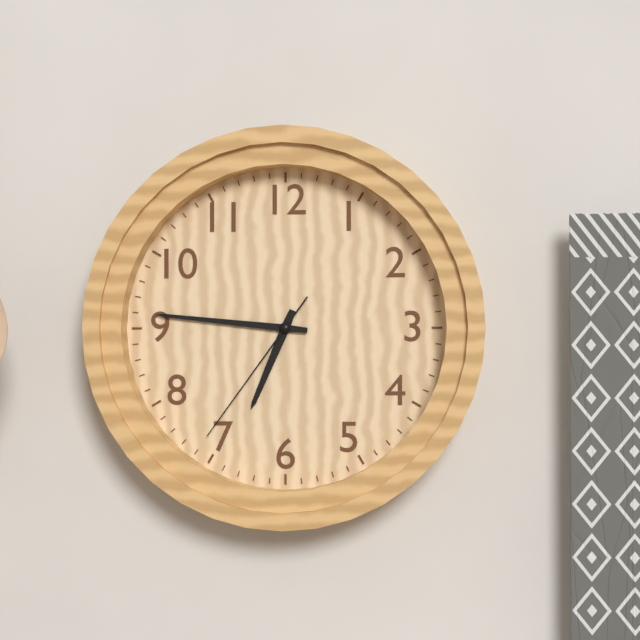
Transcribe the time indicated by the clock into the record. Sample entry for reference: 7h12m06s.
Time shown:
6h46m36s
